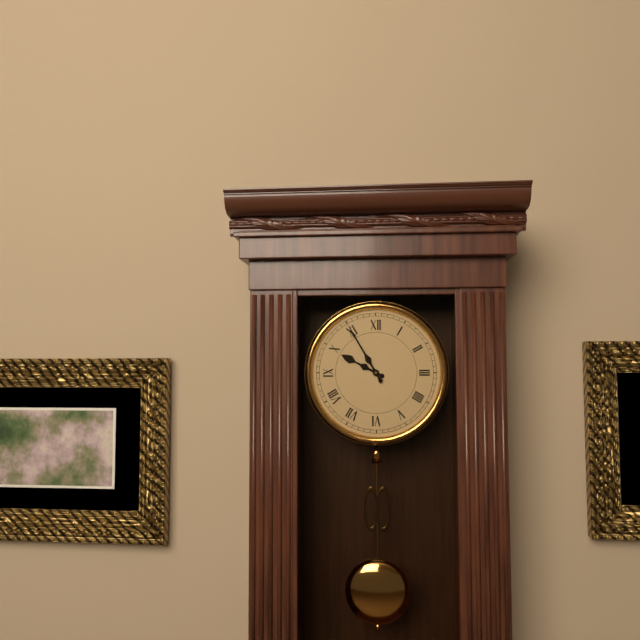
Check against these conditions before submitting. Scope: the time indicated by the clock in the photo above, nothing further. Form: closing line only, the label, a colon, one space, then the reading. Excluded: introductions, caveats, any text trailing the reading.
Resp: 9:55
